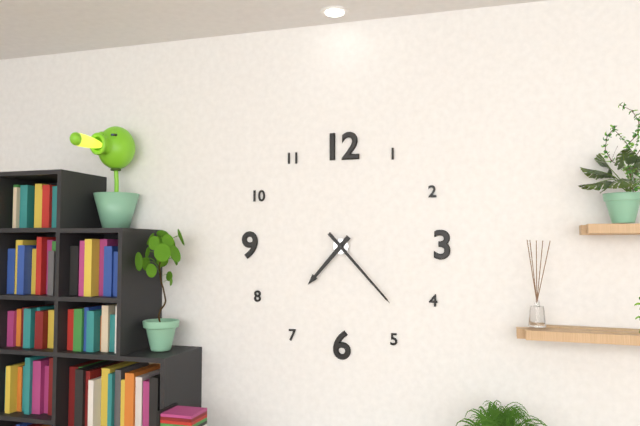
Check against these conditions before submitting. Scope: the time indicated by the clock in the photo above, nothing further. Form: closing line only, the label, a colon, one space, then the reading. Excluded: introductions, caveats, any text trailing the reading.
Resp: 7:23
